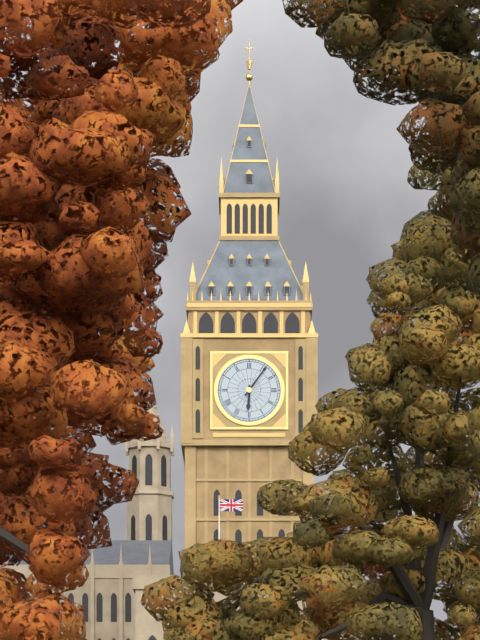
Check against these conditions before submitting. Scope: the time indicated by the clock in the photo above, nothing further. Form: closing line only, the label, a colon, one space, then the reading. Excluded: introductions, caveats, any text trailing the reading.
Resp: 6:06
